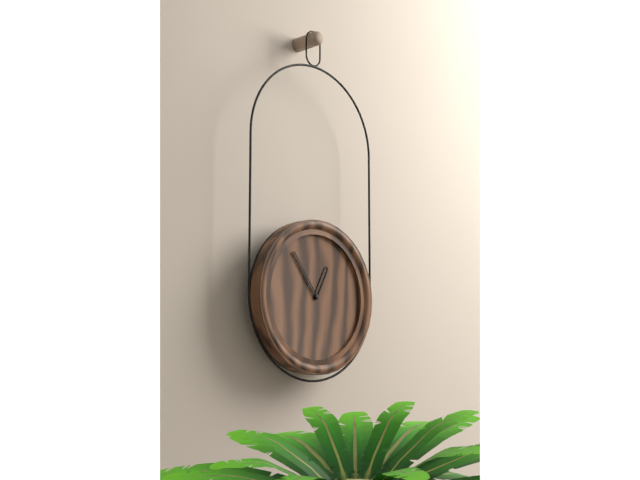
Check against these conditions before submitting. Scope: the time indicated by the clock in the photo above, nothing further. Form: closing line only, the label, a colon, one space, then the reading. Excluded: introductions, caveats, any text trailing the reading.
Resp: 12:54
